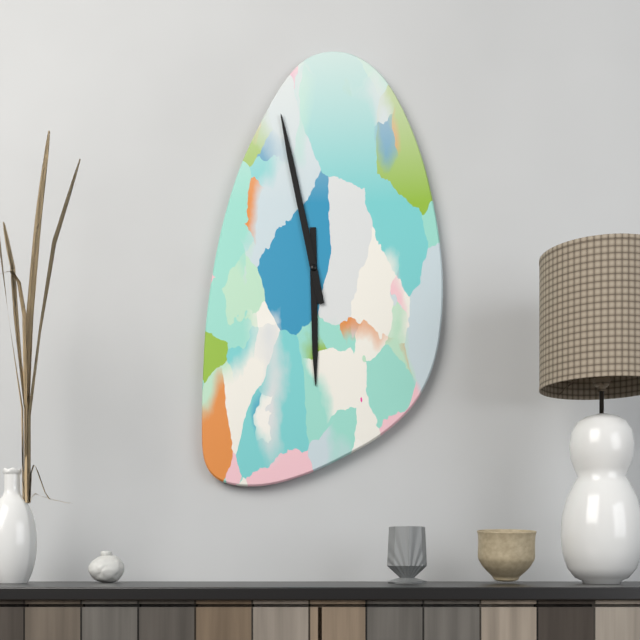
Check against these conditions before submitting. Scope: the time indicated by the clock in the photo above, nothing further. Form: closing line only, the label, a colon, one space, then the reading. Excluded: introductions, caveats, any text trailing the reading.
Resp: 5:58
